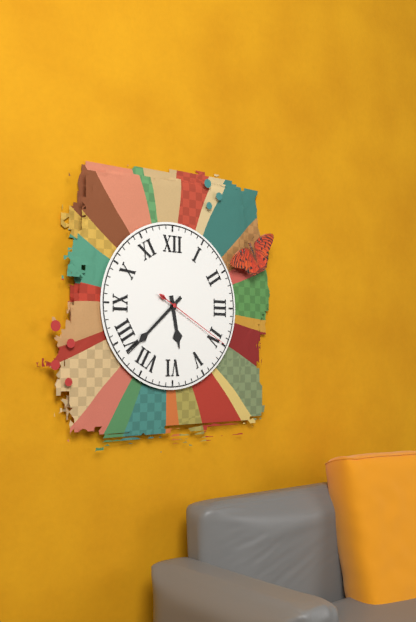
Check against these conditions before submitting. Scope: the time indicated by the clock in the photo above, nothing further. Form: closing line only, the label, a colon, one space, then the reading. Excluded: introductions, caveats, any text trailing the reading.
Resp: 5:38:20
